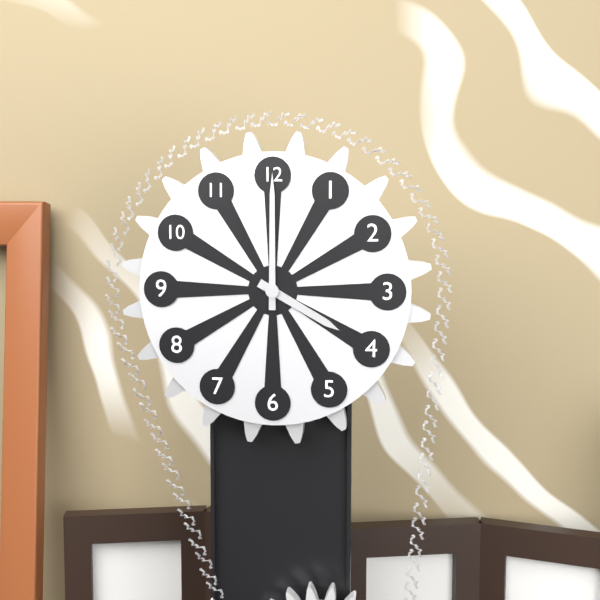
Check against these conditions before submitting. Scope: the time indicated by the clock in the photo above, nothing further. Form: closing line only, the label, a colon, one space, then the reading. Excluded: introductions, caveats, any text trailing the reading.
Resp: 4:00
